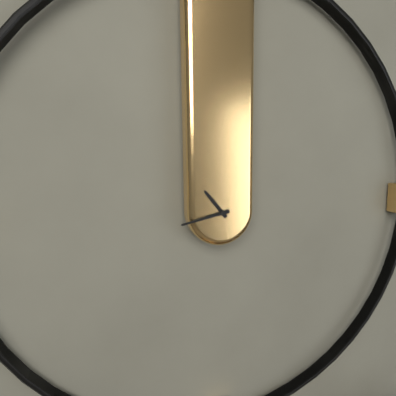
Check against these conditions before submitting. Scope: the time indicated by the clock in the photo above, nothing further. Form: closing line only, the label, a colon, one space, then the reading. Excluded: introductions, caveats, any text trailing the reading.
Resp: 10:43
